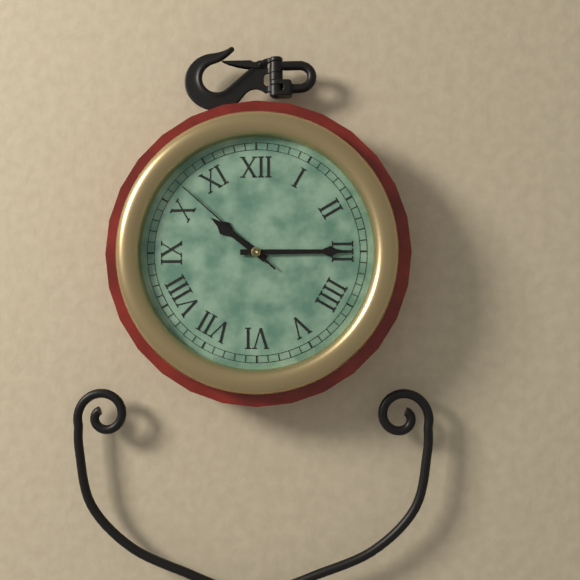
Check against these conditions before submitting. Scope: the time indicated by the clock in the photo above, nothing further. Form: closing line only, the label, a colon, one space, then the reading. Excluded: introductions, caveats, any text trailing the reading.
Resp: 10:15:52
